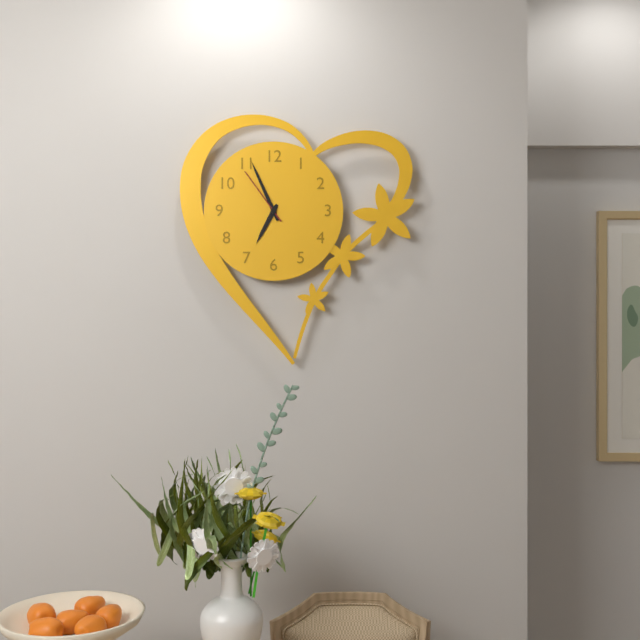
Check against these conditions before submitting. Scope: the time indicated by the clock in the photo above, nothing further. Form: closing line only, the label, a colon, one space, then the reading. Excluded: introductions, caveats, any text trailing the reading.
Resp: 6:56:54
